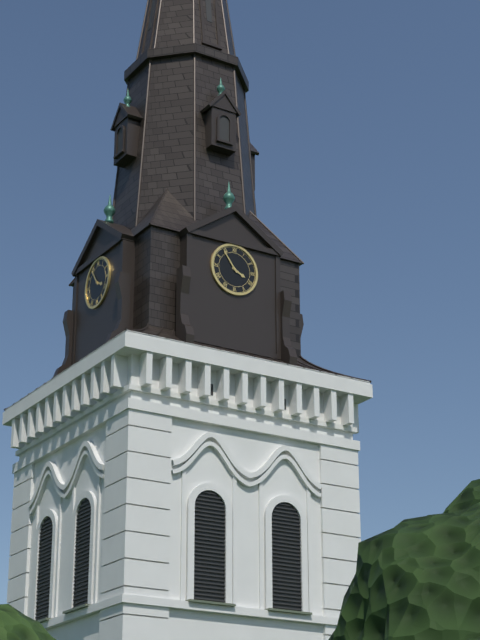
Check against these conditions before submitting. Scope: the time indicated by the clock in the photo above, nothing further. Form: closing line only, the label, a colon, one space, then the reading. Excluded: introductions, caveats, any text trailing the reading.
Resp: 3:54
